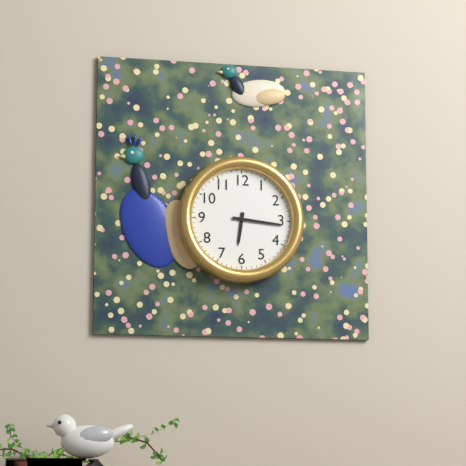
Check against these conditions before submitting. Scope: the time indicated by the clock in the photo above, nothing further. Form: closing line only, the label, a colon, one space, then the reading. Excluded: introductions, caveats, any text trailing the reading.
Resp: 6:16
